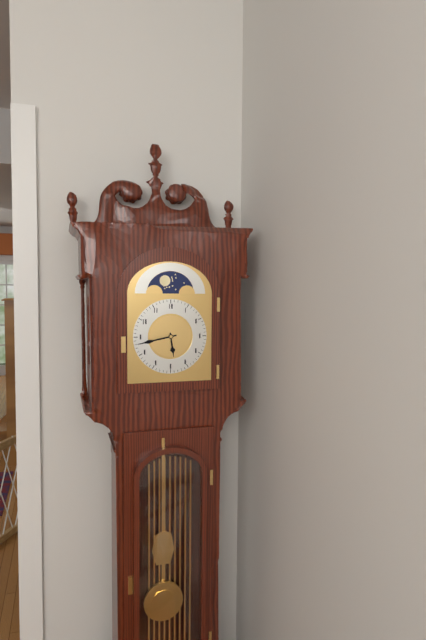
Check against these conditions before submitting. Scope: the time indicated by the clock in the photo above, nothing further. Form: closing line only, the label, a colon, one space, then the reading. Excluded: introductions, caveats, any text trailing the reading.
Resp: 5:43
